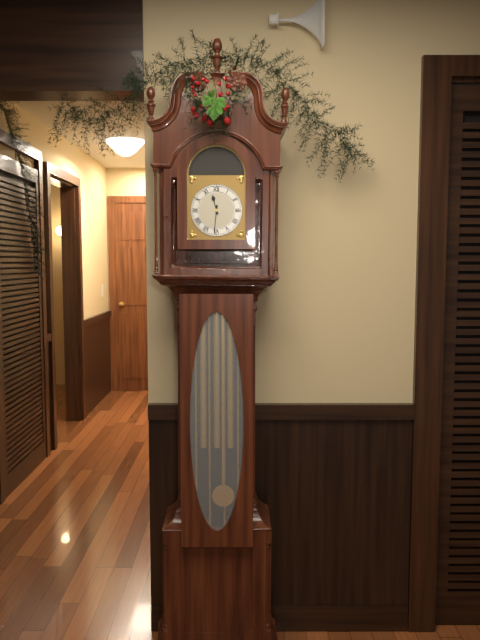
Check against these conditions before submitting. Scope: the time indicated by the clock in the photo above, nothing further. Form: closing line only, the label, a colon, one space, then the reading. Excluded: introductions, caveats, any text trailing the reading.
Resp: 11:31
